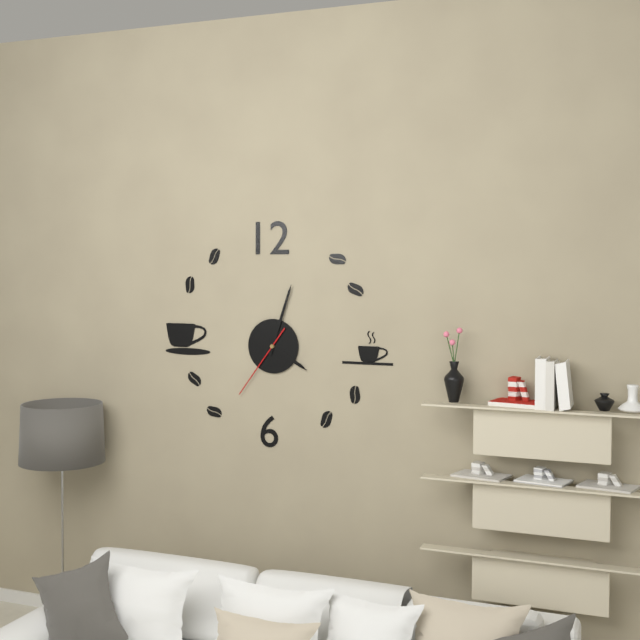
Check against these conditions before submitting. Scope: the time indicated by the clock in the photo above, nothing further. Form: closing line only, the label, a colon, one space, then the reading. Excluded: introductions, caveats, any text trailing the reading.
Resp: 4:03:36
